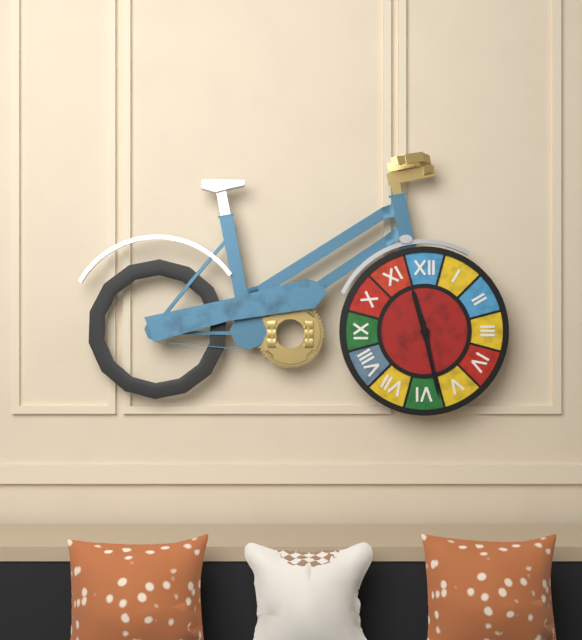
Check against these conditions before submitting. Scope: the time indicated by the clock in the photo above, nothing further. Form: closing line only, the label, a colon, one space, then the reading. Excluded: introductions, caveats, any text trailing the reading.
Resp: 11:28
